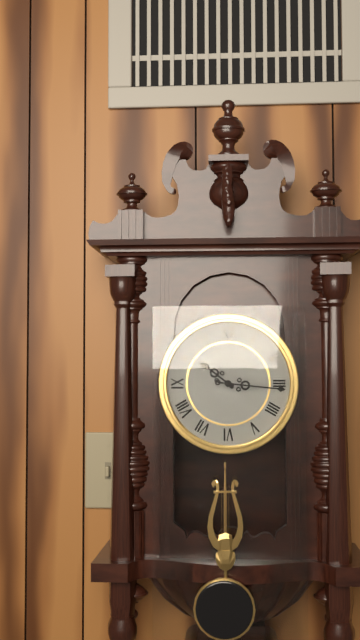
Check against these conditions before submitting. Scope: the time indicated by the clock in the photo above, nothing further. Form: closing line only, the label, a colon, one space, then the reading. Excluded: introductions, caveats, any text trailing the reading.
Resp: 10:16
